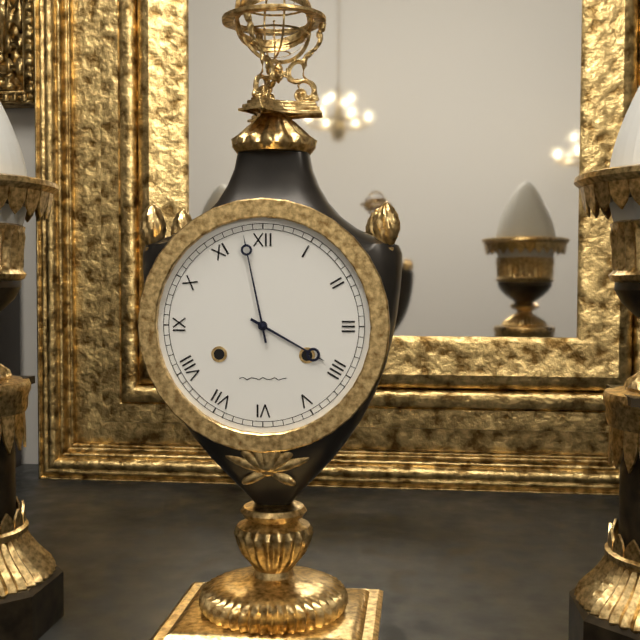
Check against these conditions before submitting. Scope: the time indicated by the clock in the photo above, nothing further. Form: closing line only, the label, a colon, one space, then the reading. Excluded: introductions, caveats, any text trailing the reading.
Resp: 3:58
